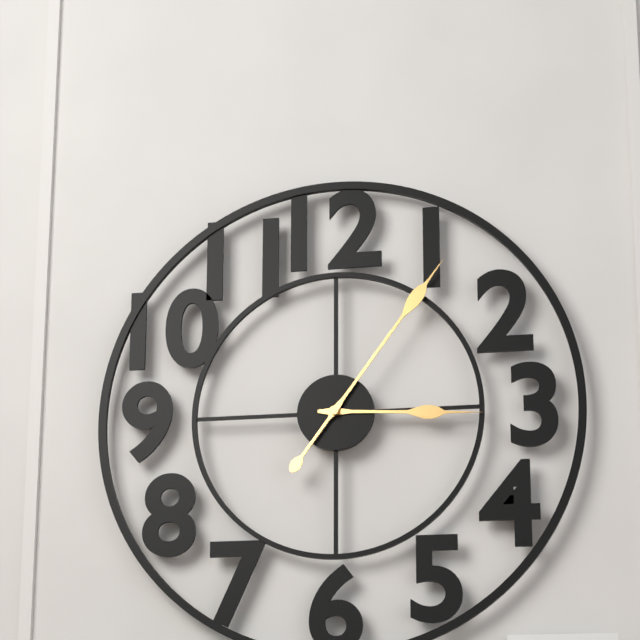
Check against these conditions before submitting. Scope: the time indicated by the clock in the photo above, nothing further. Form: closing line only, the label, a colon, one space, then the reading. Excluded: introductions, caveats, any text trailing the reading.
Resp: 3:06
